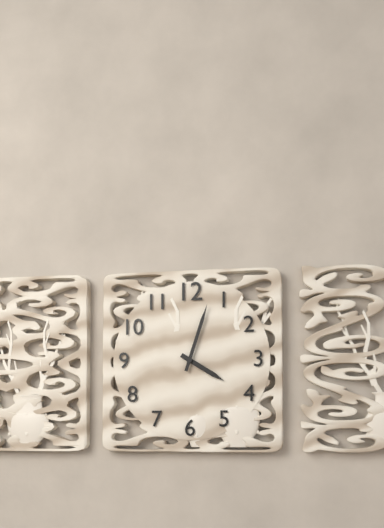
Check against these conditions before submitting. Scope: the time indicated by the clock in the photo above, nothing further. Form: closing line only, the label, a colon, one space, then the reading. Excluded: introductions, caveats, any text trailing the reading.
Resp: 4:03
